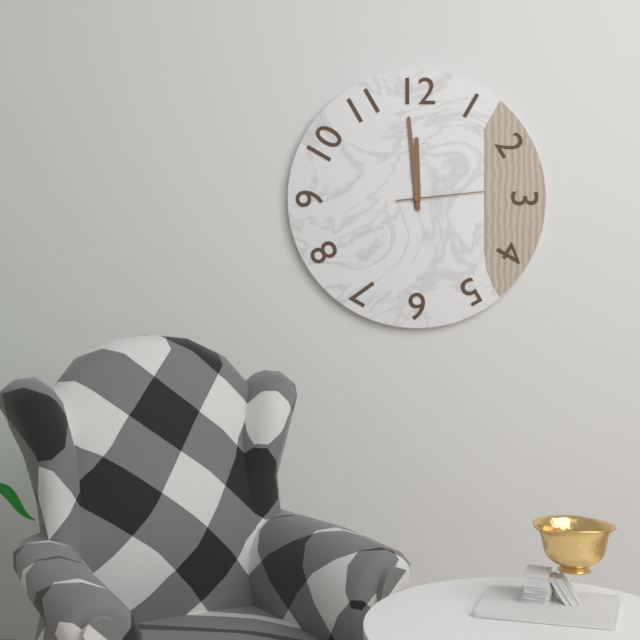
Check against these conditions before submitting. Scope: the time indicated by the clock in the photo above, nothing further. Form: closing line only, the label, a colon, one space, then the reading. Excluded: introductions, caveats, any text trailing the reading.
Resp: 11:59:14
